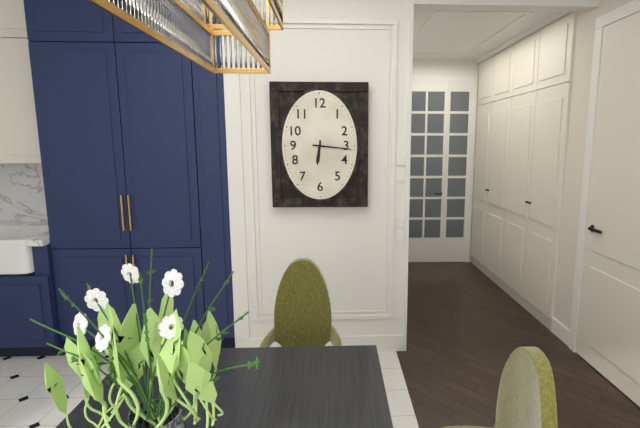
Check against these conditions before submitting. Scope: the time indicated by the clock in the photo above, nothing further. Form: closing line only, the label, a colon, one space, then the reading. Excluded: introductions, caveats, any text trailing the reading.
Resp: 6:16
